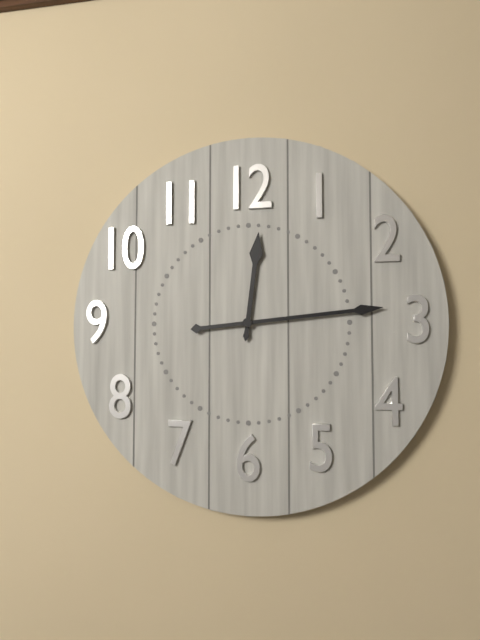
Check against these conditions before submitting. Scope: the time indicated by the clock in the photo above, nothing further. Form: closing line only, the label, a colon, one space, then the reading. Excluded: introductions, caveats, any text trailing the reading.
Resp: 12:14
